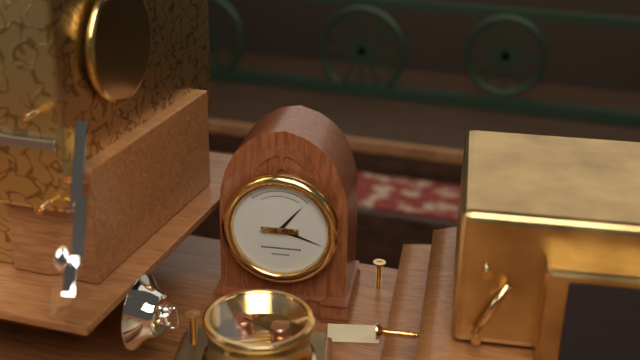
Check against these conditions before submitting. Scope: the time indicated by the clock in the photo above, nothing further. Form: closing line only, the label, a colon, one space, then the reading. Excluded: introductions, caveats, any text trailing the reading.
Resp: 1:18
